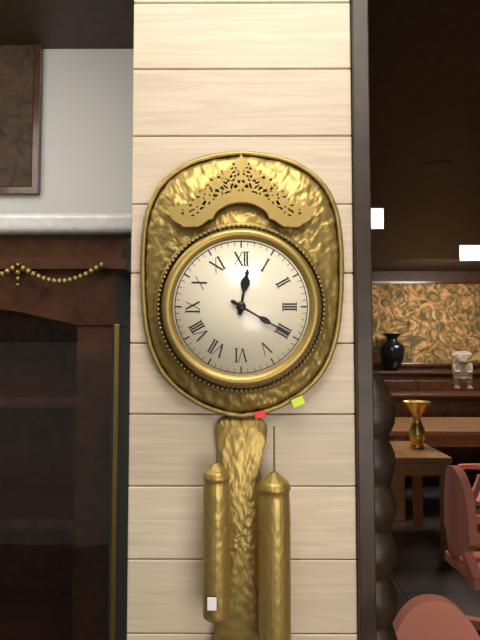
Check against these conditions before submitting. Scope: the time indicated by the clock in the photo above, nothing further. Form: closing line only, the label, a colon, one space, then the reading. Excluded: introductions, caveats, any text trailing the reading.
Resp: 12:20
